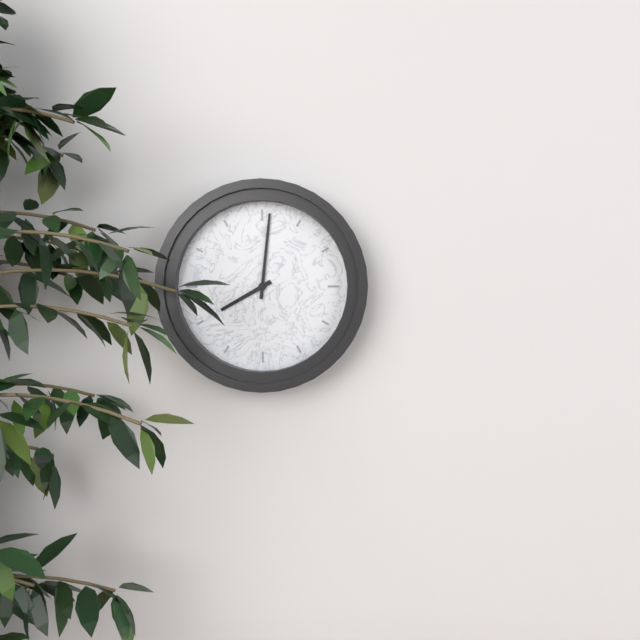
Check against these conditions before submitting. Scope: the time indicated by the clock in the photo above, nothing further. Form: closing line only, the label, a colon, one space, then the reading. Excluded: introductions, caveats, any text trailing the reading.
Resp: 8:01
